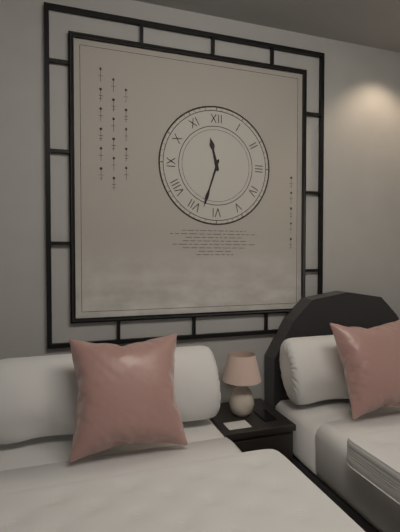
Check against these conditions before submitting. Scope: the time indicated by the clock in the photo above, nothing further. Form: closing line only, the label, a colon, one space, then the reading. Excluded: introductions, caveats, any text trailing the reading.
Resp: 11:33
